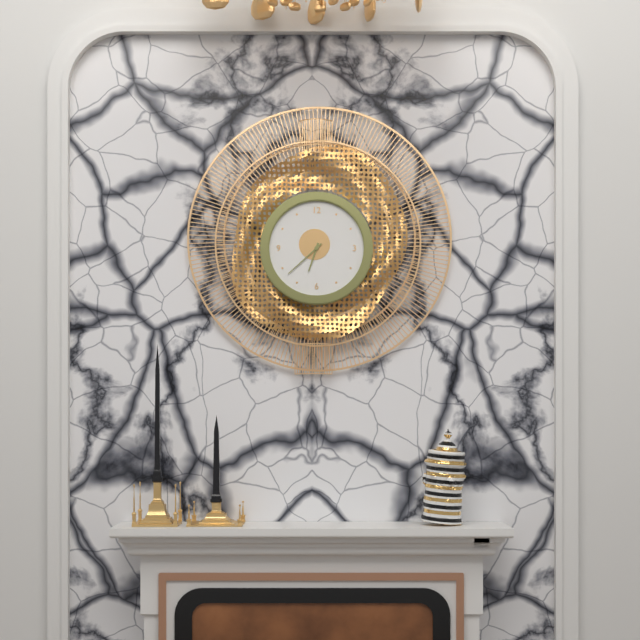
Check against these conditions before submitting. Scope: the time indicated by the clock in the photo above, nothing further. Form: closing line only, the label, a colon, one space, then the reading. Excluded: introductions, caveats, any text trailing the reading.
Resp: 6:38
